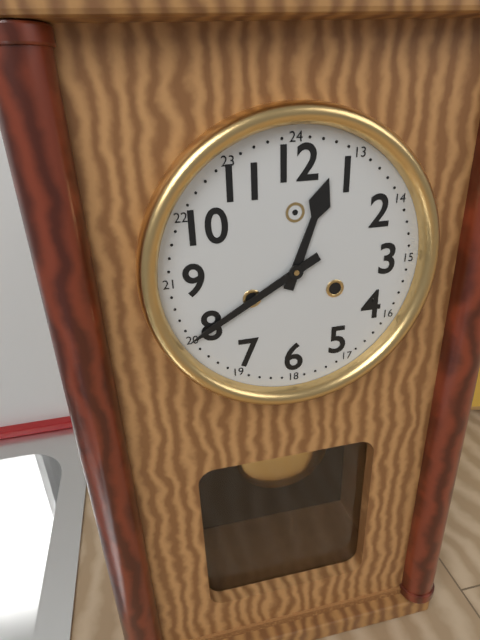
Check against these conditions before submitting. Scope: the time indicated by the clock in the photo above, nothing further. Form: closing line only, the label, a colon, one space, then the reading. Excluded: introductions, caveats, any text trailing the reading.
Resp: 12:40
